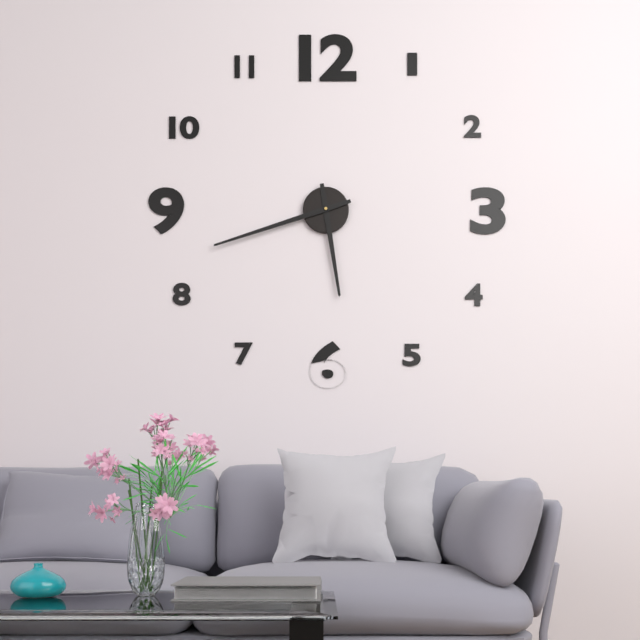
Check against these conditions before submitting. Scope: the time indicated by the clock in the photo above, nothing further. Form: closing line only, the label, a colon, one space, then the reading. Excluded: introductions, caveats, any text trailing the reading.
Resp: 5:42
